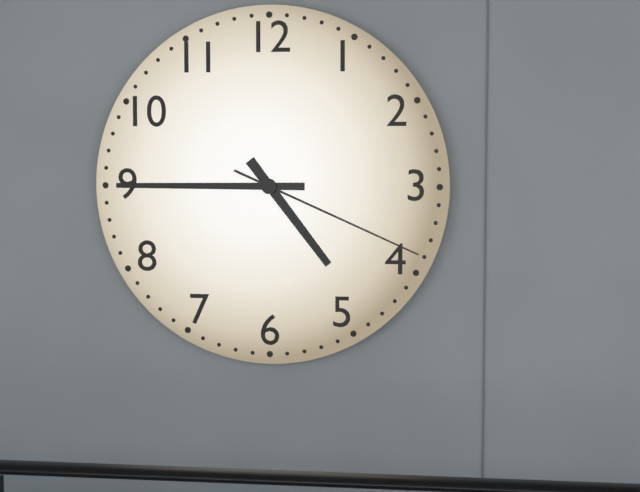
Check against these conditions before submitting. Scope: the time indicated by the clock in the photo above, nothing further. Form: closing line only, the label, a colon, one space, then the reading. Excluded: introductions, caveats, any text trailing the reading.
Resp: 4:45:19
